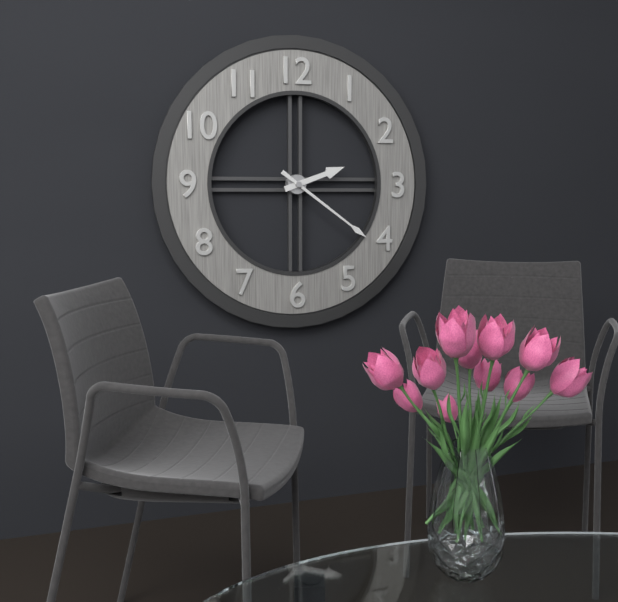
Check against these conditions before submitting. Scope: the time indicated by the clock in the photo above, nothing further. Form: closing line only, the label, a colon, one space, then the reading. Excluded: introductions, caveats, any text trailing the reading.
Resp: 2:21
